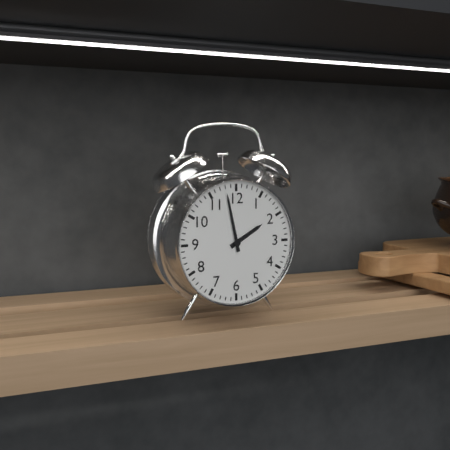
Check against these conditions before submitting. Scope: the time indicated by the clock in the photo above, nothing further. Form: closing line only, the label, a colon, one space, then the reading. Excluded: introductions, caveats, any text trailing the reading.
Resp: 1:58
